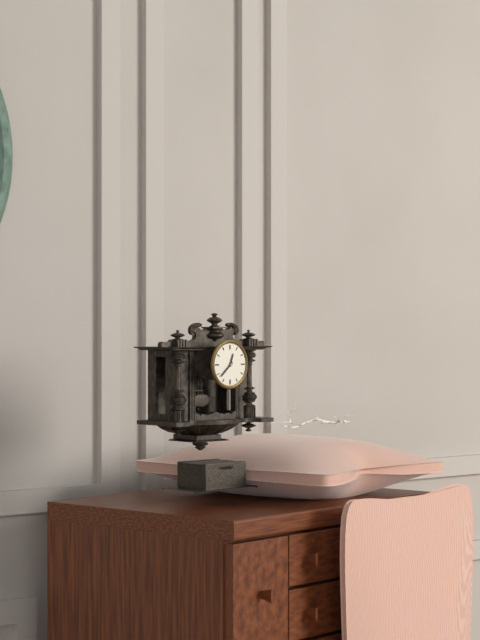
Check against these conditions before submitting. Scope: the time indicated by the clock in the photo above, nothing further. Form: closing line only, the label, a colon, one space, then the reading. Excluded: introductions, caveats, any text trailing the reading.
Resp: 12:38
